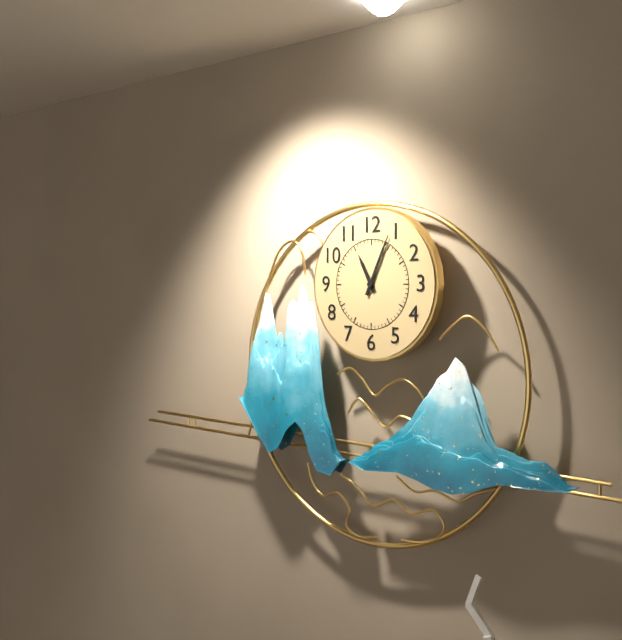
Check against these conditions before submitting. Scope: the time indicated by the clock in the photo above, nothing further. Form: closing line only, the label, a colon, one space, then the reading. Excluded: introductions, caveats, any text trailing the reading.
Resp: 11:04
